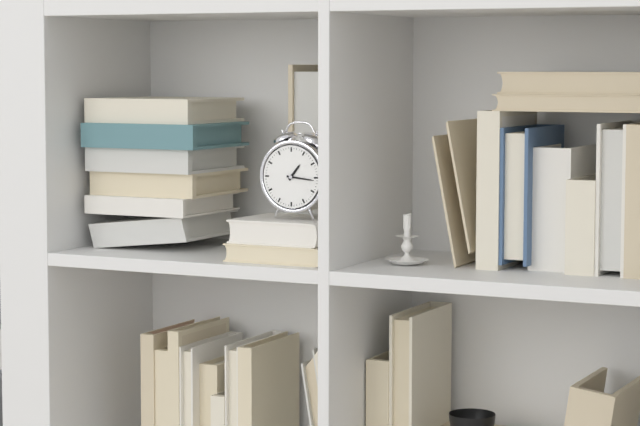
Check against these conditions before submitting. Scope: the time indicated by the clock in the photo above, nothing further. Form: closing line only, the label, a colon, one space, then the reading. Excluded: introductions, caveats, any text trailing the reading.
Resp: 1:16
